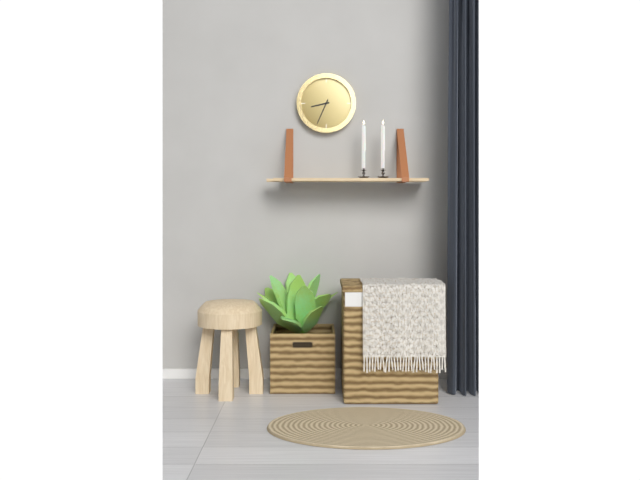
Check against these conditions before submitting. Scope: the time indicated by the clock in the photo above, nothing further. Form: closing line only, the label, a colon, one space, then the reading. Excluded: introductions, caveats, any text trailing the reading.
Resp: 8:34
